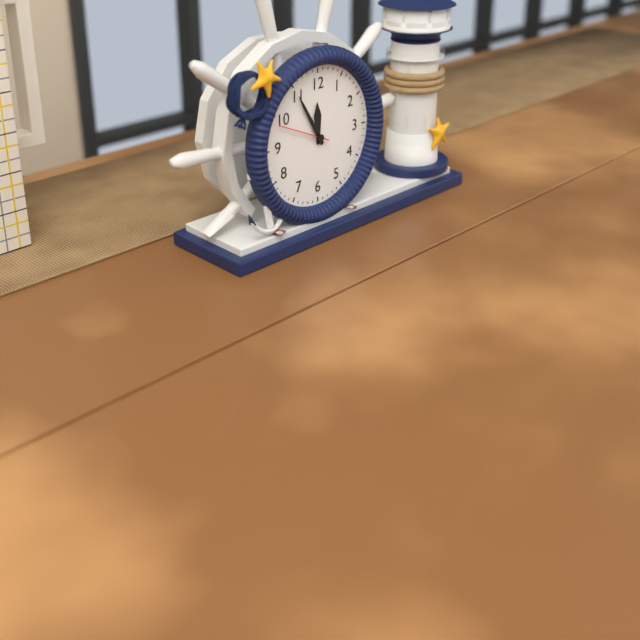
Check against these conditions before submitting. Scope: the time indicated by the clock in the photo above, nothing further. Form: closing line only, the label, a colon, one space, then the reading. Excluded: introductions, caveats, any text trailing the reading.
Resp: 11:55:49
